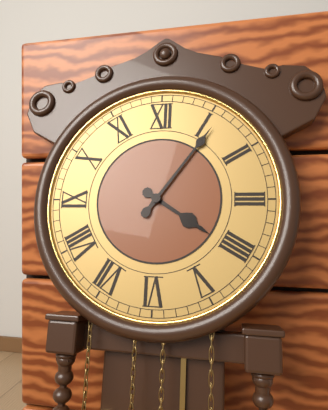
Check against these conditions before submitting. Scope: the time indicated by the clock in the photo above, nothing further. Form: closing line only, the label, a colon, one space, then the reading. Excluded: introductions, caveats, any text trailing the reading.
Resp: 4:06
